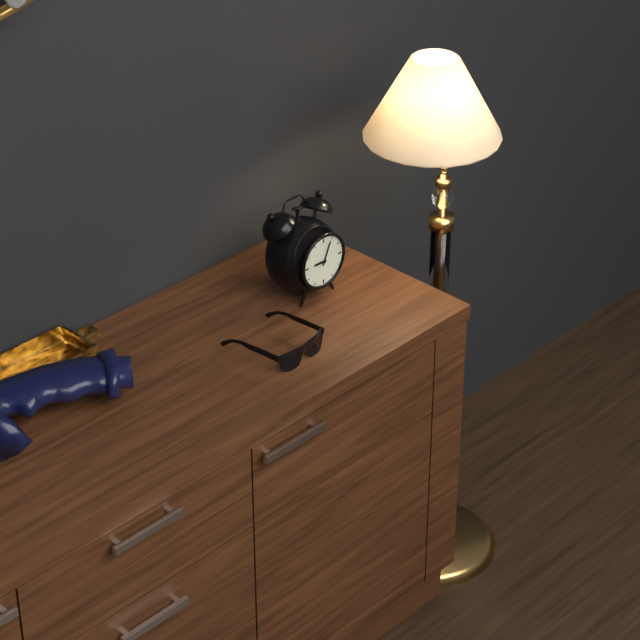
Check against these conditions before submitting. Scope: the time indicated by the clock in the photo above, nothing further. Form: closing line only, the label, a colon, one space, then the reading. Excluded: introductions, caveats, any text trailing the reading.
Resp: 9:04
